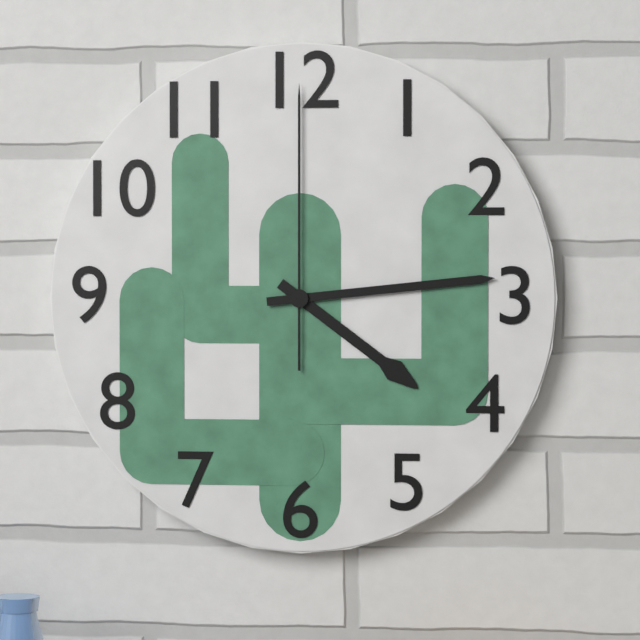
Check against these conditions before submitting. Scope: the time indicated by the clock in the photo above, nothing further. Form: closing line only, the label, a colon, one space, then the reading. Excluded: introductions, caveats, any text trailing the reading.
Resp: 4:14:00
